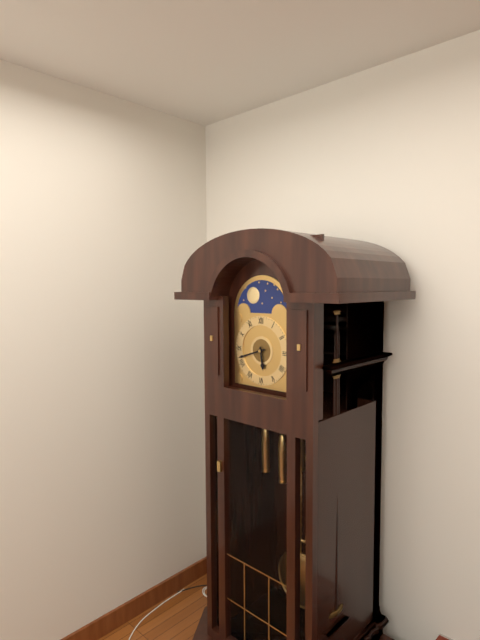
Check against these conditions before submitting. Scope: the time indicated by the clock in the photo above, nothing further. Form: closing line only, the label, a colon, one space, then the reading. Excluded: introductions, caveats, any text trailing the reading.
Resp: 5:42
